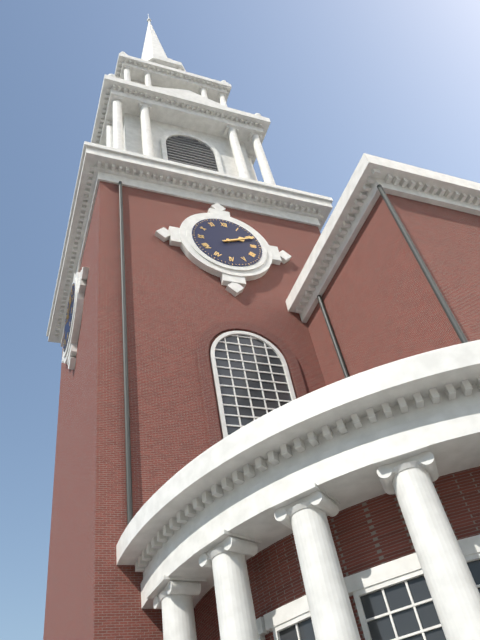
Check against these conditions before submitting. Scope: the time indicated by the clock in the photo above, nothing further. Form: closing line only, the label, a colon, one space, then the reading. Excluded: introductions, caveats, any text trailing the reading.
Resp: 2:11
